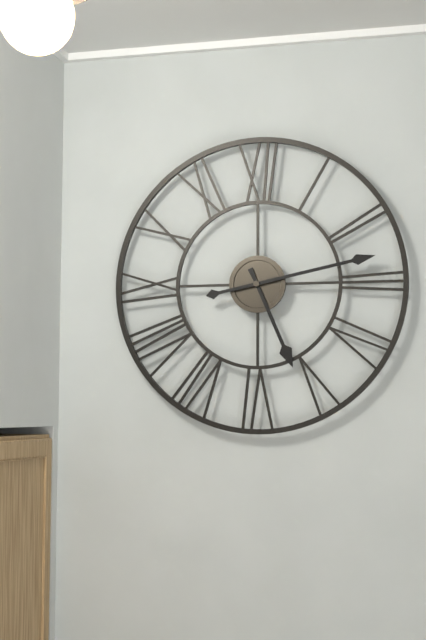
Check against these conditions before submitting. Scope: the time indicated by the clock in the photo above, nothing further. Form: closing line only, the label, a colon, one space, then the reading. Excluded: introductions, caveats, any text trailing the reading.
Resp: 5:13
